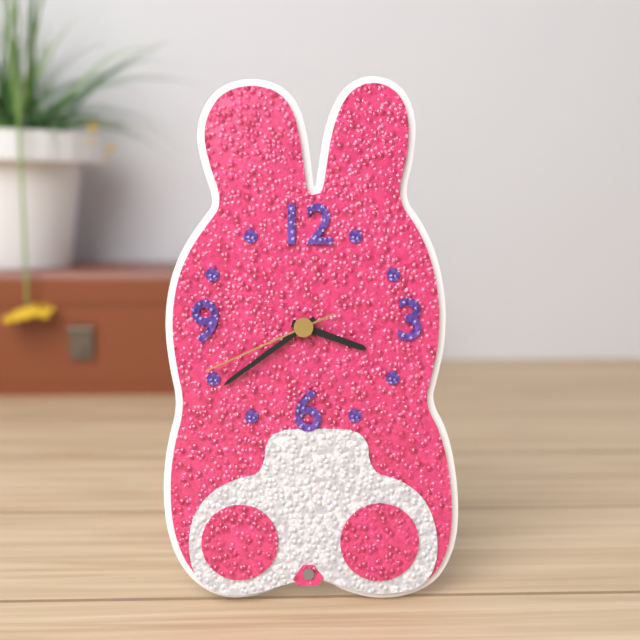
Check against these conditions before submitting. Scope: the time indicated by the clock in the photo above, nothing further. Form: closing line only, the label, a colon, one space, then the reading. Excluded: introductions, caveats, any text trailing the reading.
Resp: 3:39:41
